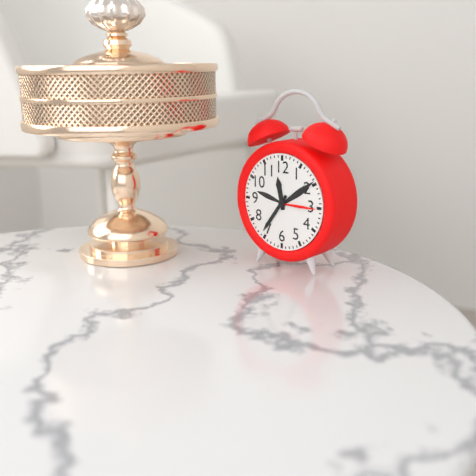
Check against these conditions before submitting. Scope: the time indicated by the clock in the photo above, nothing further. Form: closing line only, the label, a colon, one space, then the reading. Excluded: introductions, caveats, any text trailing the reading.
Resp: 11:36
